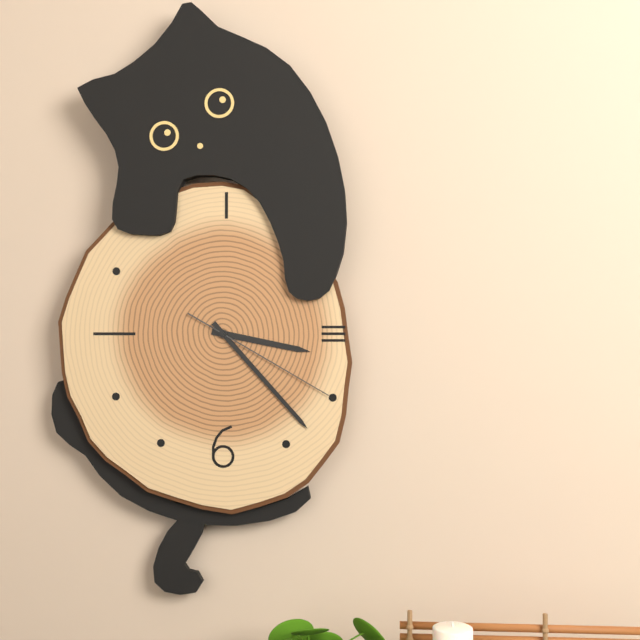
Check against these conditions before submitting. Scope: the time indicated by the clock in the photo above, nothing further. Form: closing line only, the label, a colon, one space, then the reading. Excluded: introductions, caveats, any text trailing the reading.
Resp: 3:23:20
